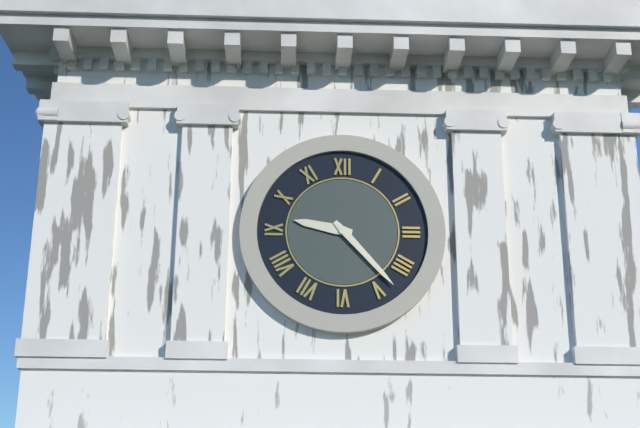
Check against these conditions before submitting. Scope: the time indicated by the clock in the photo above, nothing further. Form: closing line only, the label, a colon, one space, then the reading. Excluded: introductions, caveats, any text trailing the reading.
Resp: 9:23
